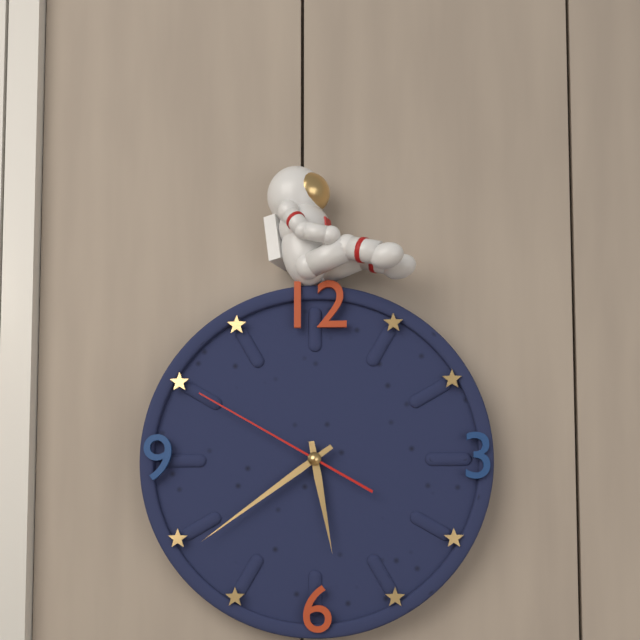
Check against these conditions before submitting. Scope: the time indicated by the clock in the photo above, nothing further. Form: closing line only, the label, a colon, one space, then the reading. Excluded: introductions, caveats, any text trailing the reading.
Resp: 5:39:50
